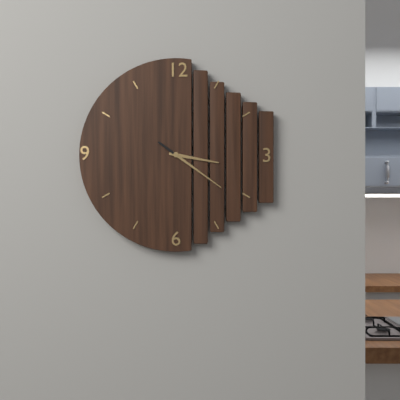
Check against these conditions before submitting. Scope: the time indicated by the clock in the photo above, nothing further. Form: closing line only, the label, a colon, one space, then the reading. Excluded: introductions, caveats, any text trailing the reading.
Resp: 3:21
